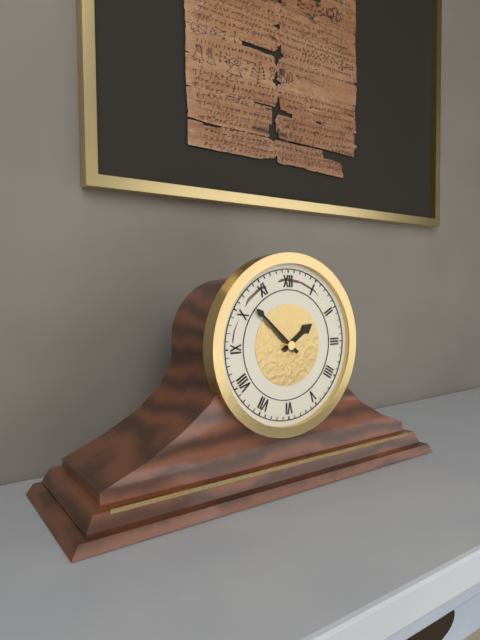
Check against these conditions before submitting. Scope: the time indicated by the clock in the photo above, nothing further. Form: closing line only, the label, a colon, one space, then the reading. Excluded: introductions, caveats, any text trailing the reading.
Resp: 1:52
